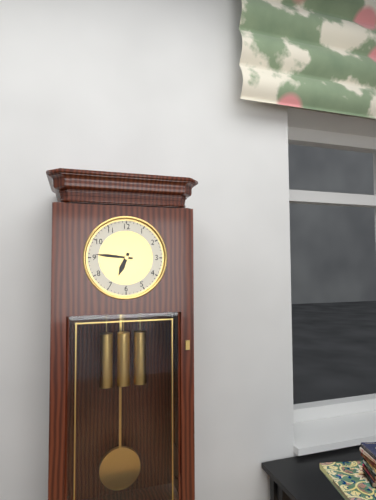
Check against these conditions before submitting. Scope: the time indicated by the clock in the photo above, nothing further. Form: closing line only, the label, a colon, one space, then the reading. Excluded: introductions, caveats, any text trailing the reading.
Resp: 6:46
